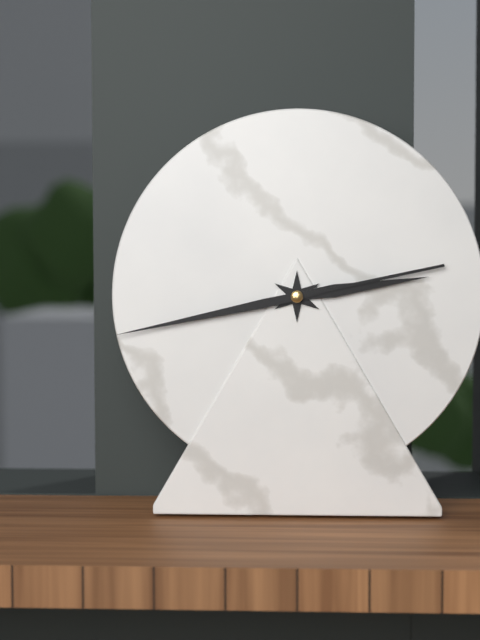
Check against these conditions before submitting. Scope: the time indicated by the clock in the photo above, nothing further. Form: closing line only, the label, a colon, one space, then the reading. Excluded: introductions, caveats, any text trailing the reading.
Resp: 2:43
